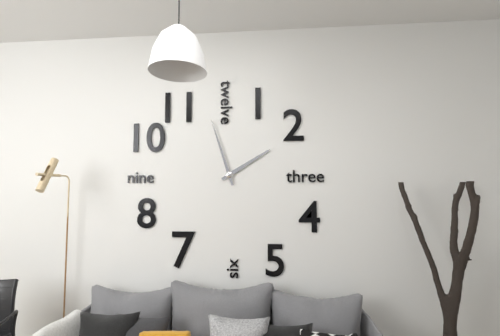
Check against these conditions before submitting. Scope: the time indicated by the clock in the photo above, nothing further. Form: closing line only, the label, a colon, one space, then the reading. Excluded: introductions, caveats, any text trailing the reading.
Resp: 1:57
